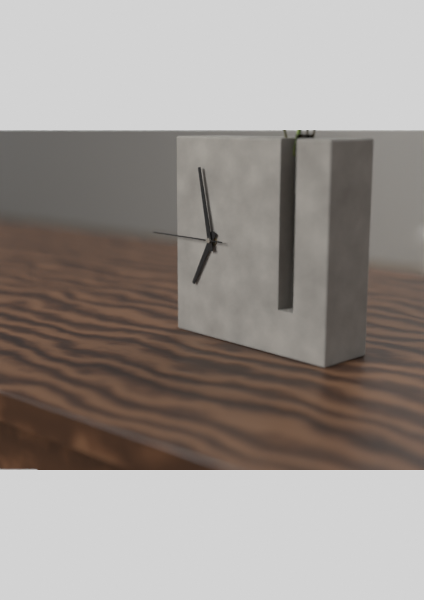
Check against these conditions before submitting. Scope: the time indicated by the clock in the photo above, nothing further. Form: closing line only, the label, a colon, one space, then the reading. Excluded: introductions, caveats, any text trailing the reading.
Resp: 6:58:45
